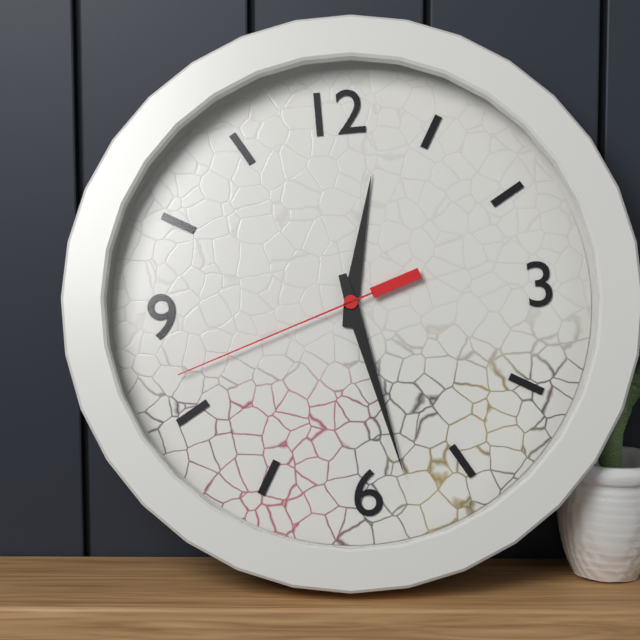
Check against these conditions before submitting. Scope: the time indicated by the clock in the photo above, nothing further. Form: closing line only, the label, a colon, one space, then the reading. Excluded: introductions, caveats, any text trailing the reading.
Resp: 12:28:42
